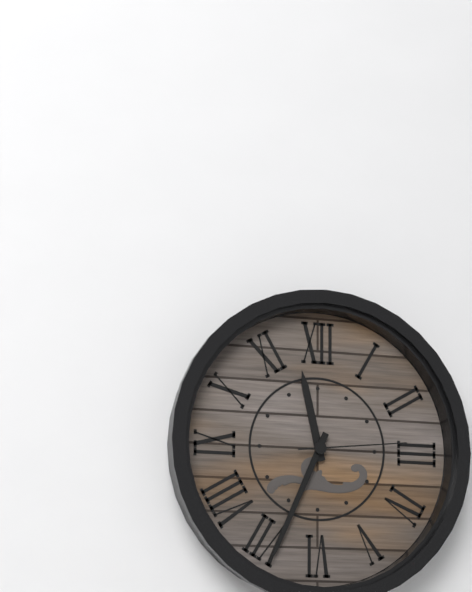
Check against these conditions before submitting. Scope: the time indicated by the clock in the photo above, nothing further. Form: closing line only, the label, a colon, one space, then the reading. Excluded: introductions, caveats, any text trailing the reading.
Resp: 11:34:14
